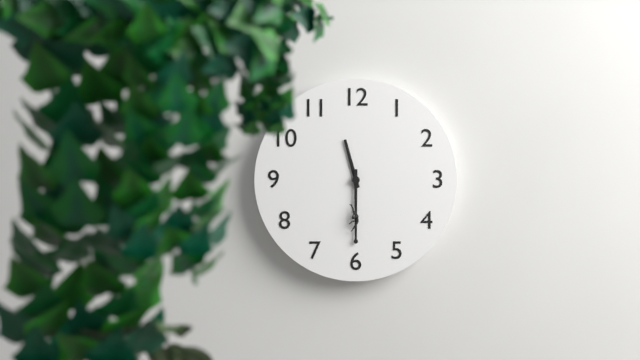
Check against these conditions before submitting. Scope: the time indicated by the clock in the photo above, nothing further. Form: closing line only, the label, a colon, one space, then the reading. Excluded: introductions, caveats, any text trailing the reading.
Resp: 11:30
